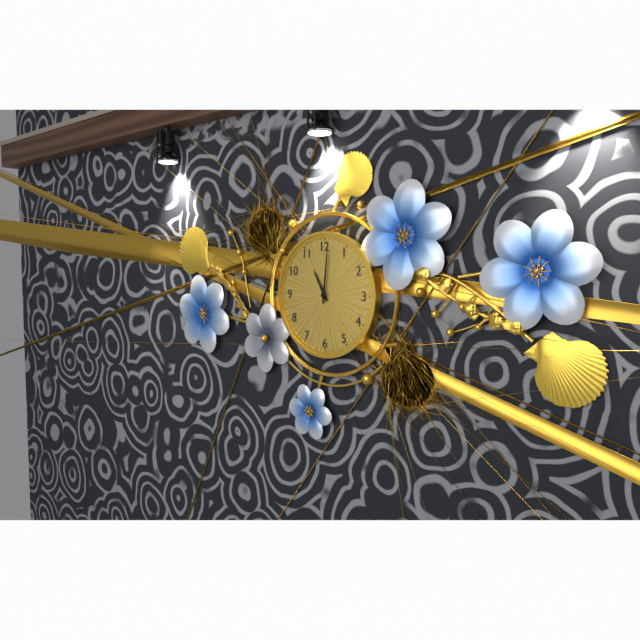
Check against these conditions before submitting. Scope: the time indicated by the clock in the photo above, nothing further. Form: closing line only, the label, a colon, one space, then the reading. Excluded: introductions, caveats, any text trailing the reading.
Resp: 11:01
